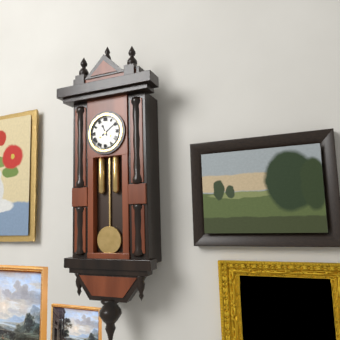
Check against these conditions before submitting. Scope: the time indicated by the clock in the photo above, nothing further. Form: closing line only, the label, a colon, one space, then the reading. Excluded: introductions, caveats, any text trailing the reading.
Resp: 11:09
